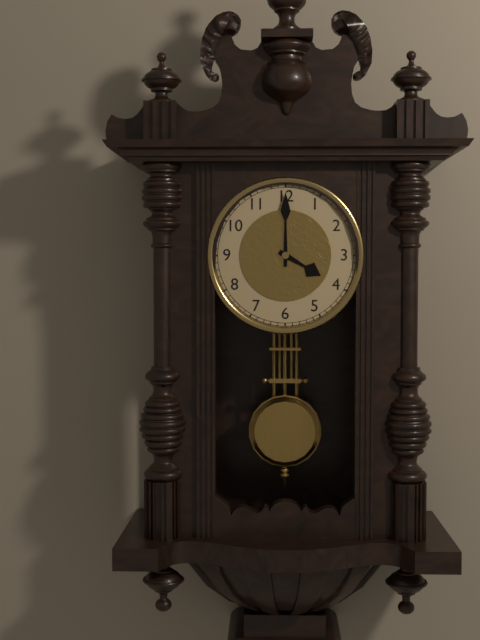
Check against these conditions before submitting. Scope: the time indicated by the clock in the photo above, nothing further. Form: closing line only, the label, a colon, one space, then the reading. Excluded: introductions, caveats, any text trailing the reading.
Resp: 4:00
